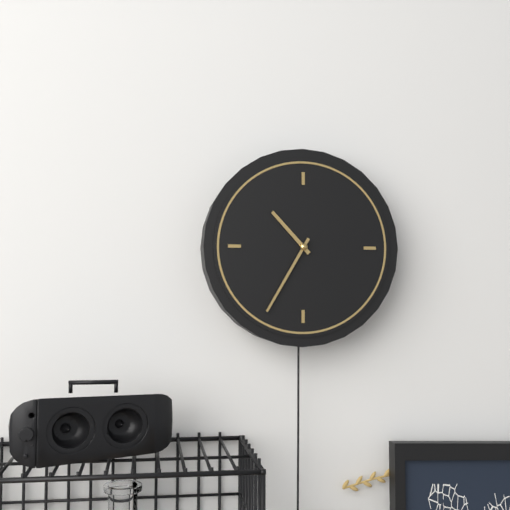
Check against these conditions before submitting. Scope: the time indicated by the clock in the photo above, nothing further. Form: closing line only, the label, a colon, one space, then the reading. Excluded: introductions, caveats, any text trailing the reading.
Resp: 10:35
